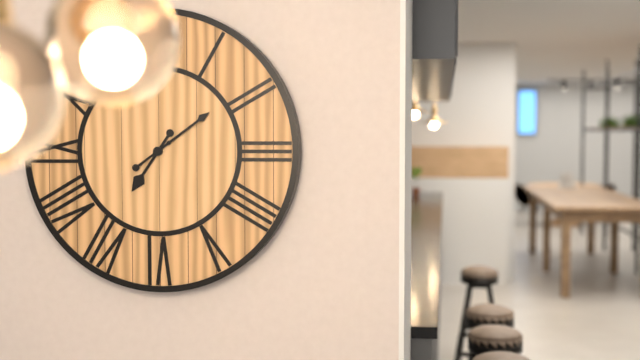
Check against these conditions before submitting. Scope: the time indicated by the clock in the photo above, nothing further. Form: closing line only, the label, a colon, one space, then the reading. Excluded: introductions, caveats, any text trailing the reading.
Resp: 7:09
